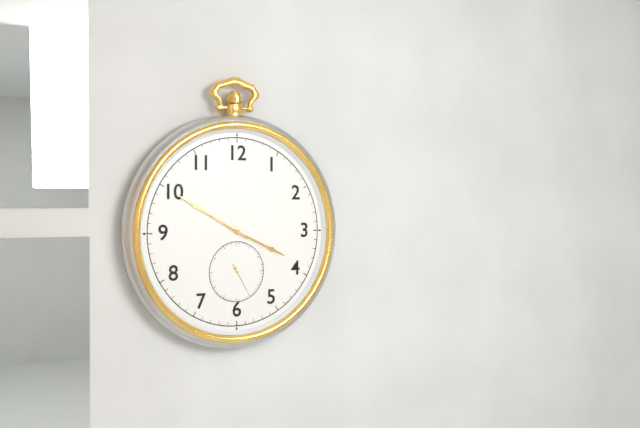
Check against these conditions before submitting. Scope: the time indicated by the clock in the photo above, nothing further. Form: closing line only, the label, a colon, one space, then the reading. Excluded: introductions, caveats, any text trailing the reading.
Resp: 3:50
